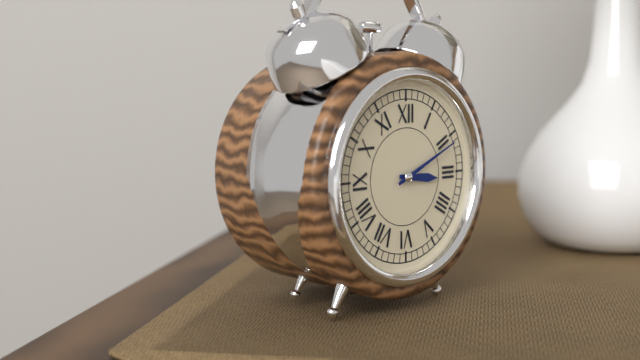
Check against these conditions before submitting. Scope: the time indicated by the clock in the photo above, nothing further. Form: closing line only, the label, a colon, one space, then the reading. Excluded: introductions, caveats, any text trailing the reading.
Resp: 3:11
